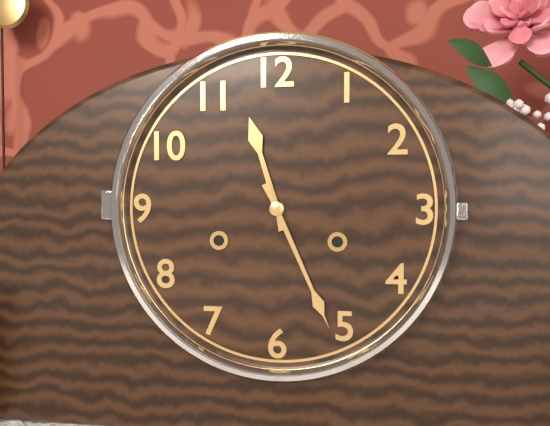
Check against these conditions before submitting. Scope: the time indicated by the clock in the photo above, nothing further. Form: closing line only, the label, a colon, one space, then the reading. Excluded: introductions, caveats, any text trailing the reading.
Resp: 11:26
